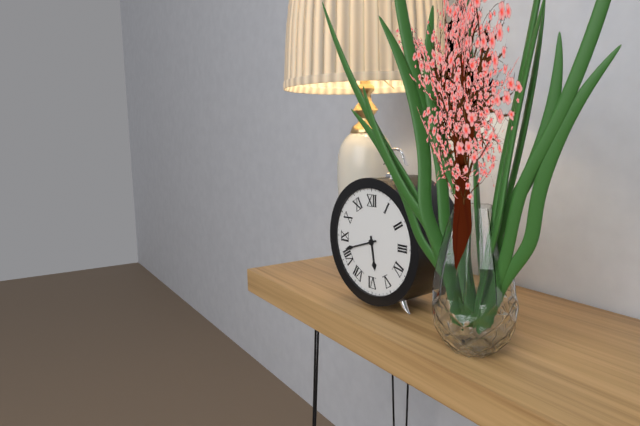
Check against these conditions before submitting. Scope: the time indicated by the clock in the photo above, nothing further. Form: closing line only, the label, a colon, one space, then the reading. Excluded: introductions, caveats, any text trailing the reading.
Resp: 5:42
